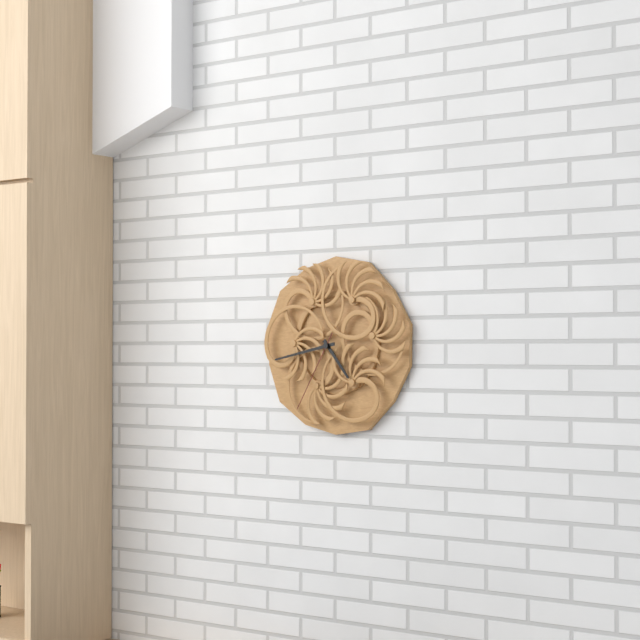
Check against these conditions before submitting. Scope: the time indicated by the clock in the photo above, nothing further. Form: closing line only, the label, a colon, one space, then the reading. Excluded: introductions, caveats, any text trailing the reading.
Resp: 4:43:35
